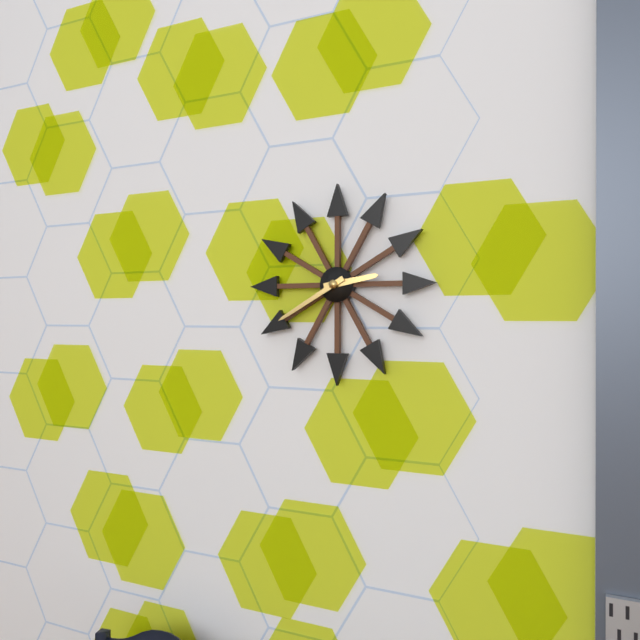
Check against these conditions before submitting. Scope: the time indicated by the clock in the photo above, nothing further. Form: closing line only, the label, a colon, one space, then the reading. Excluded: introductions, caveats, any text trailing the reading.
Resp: 2:40
